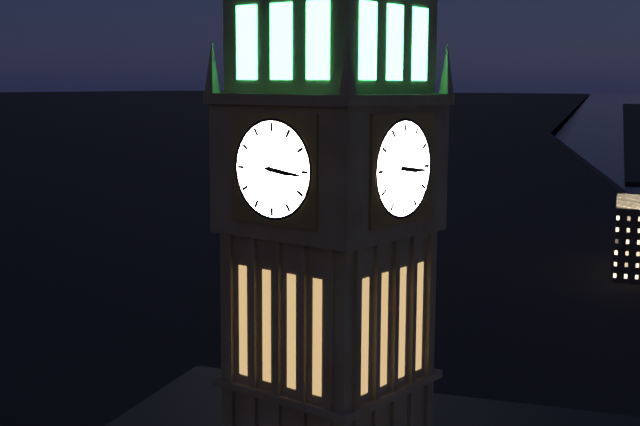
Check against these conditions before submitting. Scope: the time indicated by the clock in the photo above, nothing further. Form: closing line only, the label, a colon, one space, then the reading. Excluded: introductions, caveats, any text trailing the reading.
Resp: 3:16
